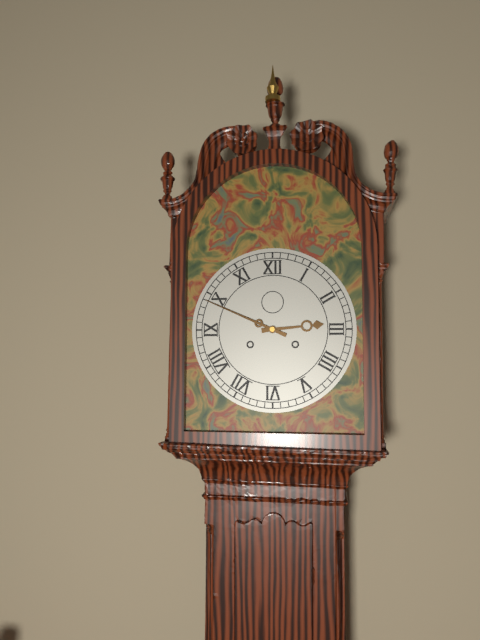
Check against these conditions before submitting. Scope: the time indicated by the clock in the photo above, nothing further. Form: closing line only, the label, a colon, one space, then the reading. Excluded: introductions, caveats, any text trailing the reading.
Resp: 2:49
